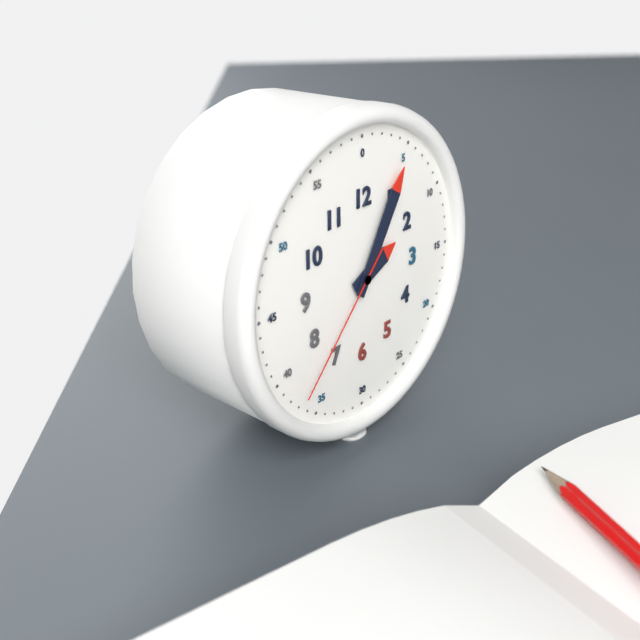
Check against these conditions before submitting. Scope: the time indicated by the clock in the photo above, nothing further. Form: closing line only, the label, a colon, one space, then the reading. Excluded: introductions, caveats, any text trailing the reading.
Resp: 2:05:37
